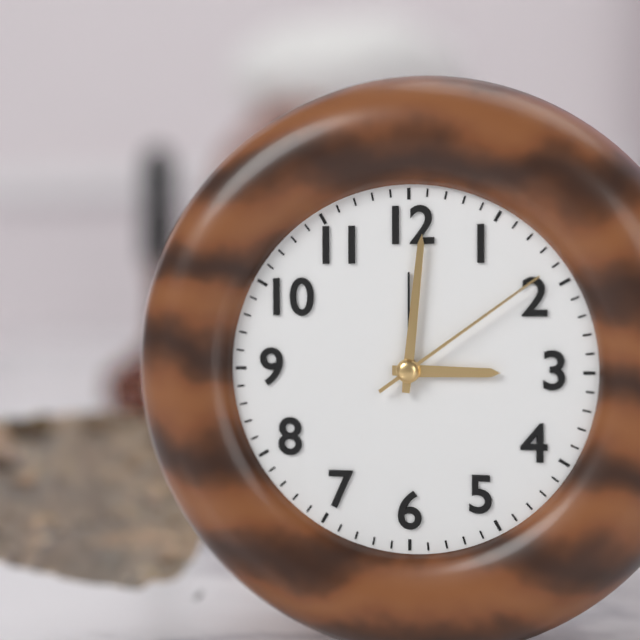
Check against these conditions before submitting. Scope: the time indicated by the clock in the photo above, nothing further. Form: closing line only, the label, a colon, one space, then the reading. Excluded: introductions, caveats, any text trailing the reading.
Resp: 3:01:09
